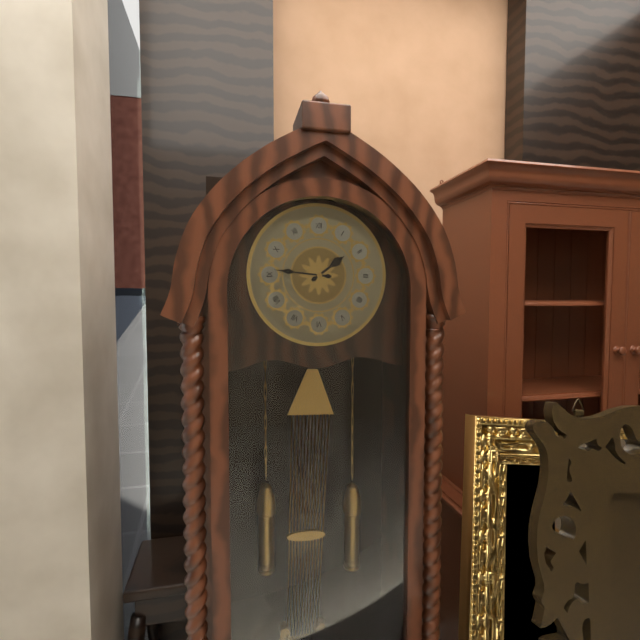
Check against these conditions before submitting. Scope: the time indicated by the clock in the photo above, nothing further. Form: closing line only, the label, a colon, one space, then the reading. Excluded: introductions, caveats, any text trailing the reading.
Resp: 1:46
